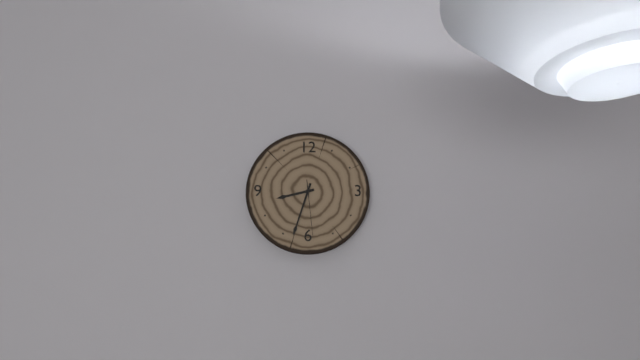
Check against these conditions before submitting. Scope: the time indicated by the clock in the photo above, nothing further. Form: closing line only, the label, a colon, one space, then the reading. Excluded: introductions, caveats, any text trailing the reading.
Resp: 8:33:29
